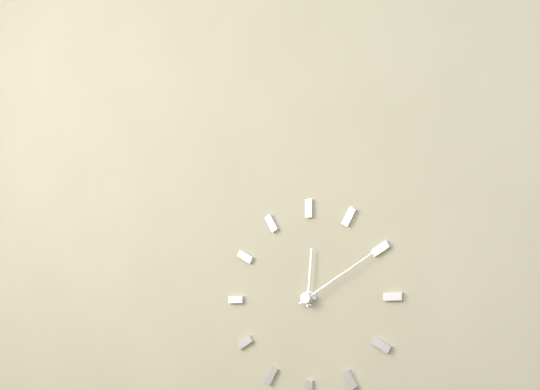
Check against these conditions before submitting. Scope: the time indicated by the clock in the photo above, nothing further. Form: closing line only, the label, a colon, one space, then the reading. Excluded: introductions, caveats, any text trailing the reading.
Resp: 12:10
